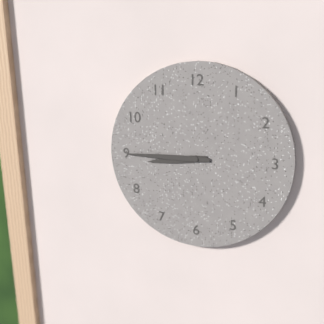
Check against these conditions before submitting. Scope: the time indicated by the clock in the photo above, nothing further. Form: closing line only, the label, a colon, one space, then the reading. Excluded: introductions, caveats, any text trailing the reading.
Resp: 8:45
